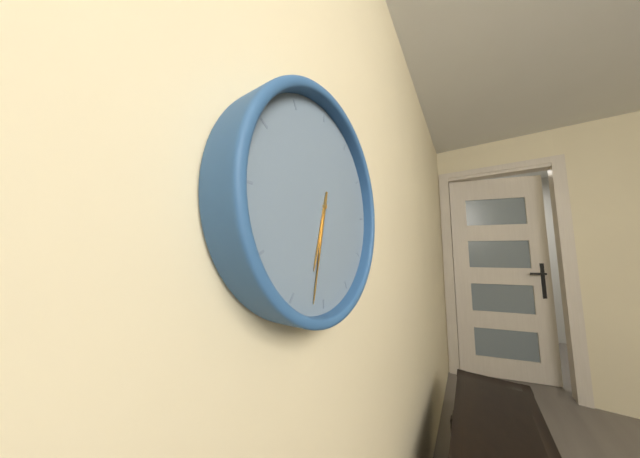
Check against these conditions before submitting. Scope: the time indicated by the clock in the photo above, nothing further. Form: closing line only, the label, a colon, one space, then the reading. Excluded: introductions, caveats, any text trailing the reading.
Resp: 6:32
